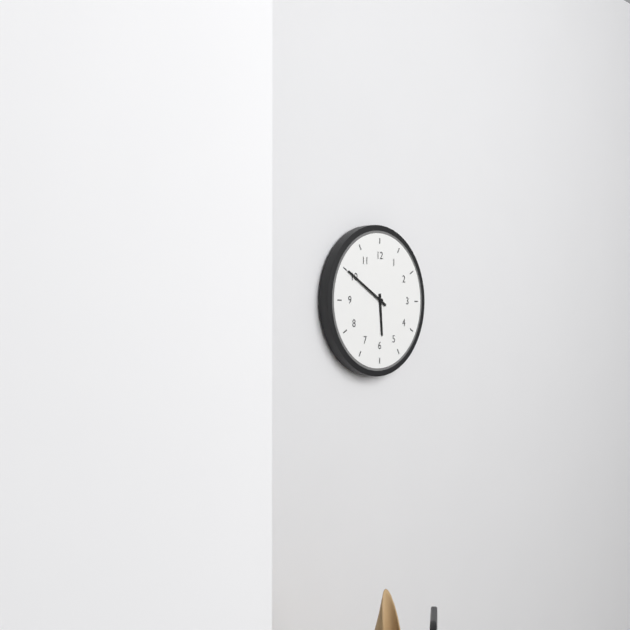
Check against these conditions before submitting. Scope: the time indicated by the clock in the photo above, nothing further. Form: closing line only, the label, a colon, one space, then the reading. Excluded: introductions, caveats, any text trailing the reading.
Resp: 5:50
